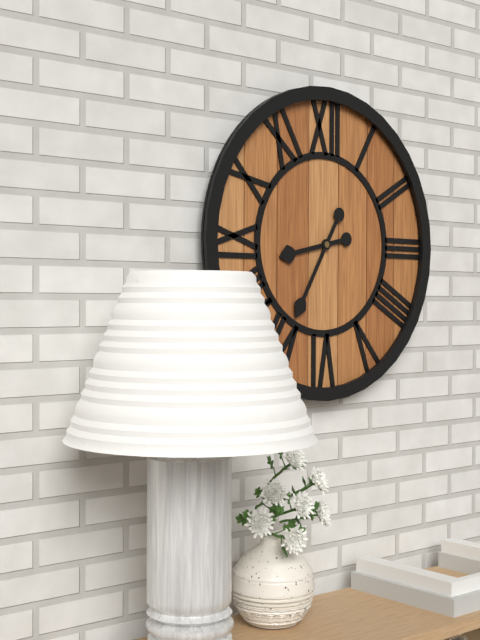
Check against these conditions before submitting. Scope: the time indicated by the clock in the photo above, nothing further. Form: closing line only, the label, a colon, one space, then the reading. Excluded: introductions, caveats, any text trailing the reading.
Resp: 8:35
